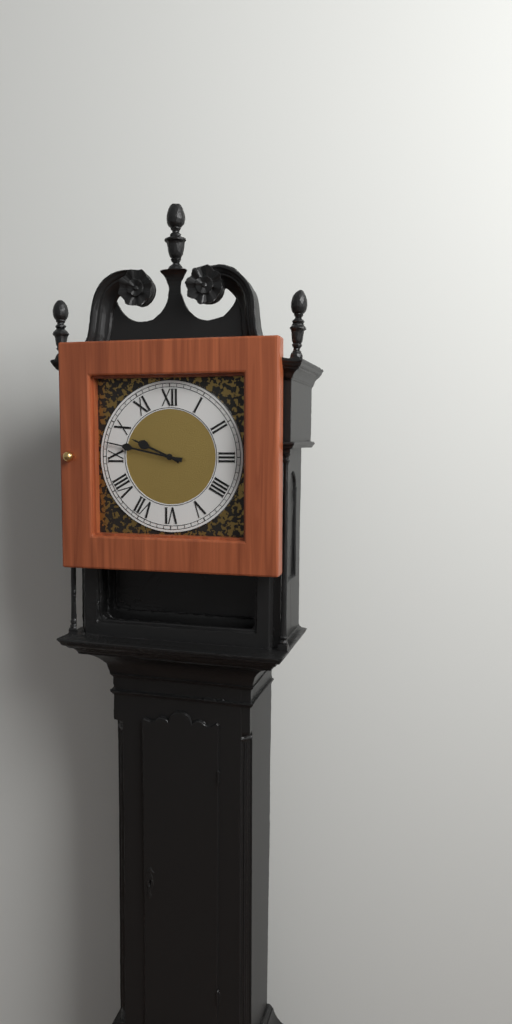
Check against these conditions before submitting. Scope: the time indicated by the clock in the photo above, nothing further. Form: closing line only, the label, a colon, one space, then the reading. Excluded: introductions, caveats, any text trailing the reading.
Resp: 9:47
